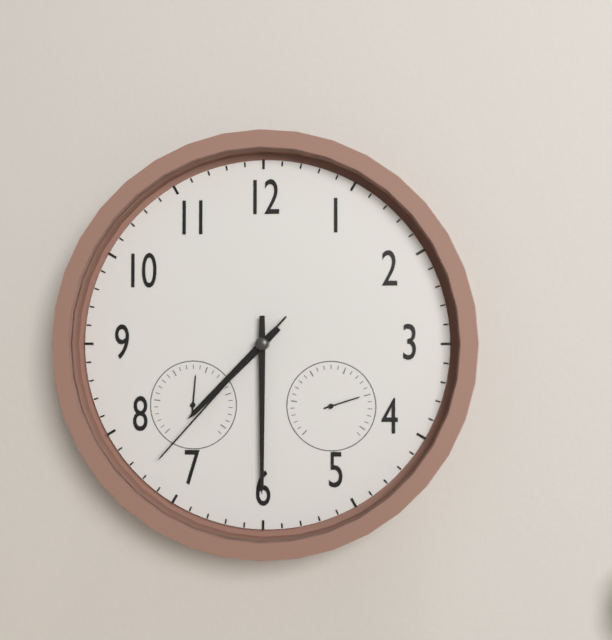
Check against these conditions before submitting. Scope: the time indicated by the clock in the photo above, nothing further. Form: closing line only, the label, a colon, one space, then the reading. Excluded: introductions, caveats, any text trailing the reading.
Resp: 7:30:37
